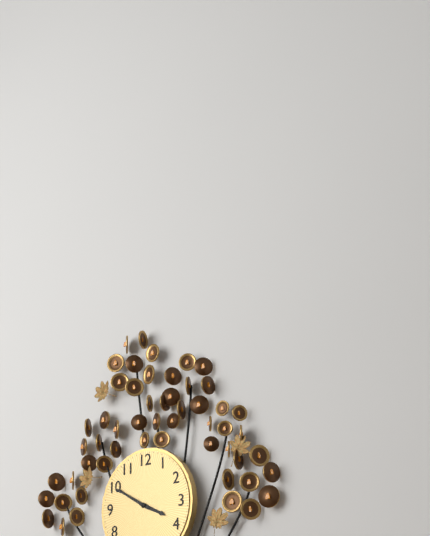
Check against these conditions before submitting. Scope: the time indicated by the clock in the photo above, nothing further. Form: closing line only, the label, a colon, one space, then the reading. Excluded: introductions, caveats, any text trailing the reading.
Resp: 3:50
